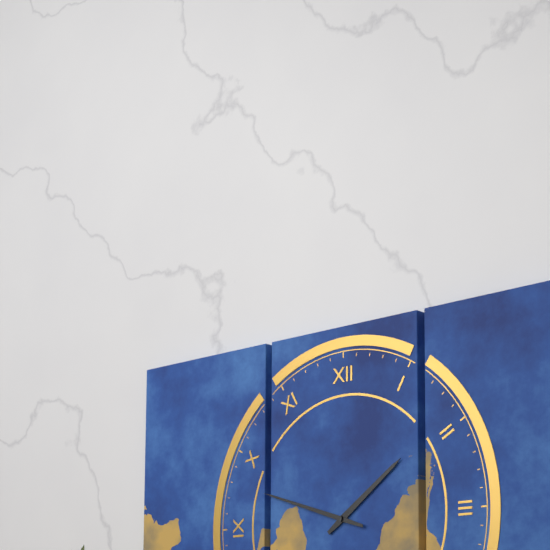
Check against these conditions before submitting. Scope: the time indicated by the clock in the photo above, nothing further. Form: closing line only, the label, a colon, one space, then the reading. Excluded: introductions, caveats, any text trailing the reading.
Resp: 1:48
